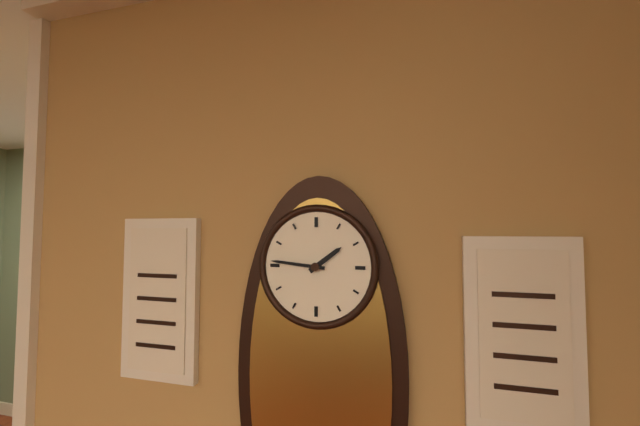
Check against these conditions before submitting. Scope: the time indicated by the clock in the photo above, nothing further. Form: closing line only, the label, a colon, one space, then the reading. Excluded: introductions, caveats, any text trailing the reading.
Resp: 1:46
